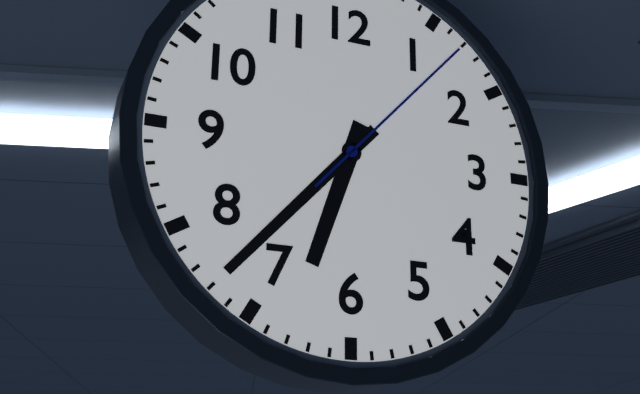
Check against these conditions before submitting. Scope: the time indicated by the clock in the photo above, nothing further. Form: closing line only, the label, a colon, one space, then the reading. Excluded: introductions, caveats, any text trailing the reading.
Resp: 6:37:07
